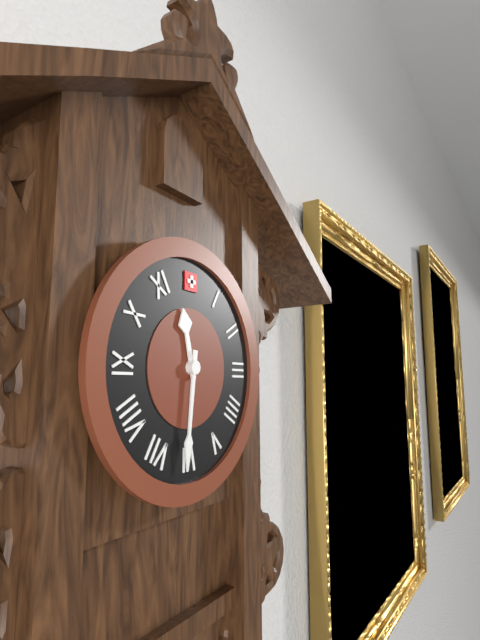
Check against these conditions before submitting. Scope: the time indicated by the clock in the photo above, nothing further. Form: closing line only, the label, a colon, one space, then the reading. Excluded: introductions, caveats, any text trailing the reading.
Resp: 11:31
